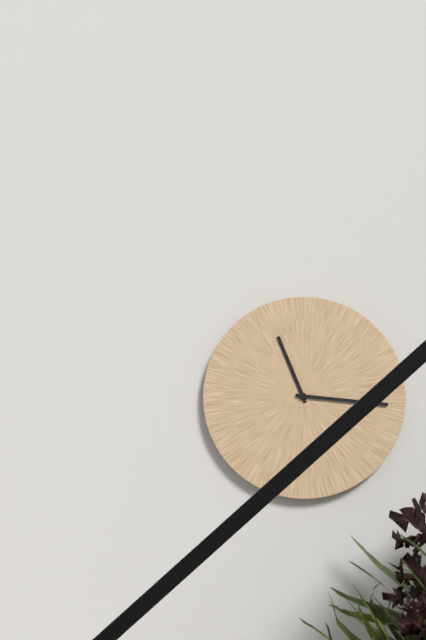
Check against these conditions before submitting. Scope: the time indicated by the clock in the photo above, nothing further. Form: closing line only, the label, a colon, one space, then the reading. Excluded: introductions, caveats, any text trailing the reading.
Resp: 11:16
